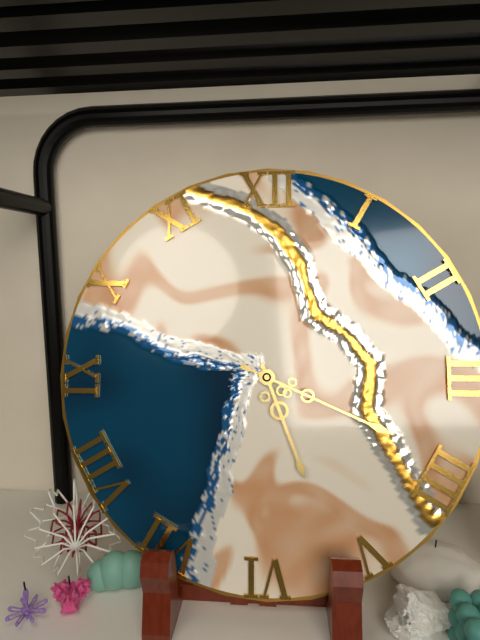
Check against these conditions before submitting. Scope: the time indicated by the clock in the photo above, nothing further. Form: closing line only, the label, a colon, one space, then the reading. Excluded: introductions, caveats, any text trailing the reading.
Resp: 5:19
